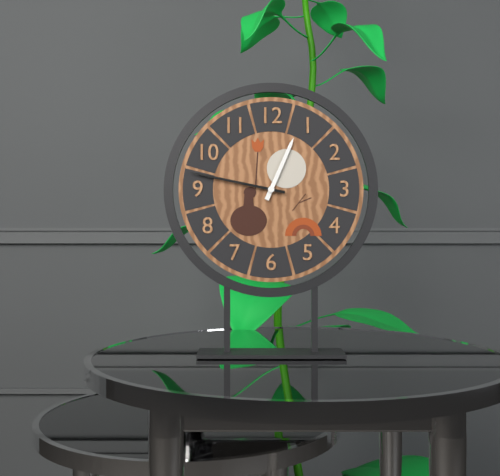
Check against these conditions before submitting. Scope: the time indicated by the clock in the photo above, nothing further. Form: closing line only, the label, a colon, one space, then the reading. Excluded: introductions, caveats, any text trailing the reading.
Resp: 12:47
